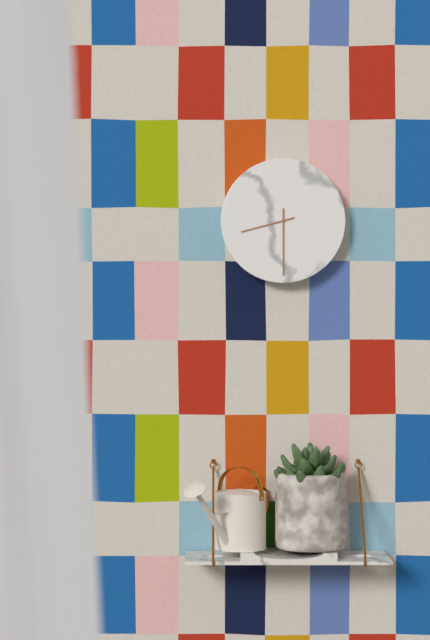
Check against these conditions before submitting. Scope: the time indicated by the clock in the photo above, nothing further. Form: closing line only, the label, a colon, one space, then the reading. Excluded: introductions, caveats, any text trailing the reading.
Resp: 8:30
